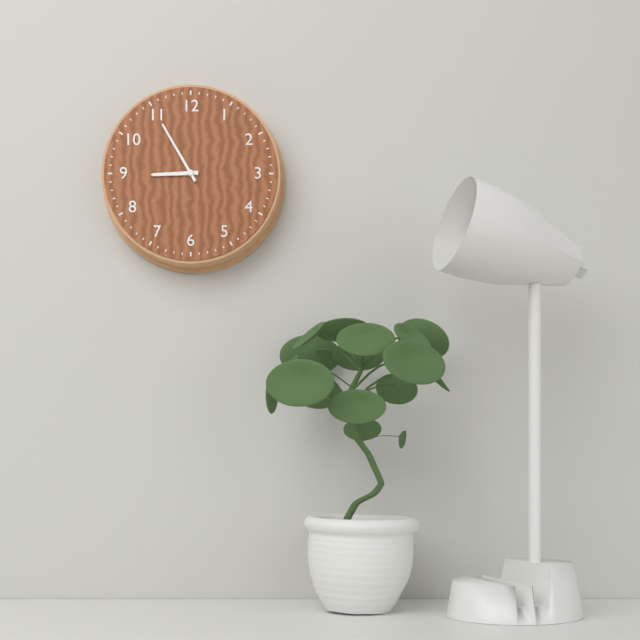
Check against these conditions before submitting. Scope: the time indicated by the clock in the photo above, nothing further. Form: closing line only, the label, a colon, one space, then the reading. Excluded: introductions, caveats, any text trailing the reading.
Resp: 8:55
